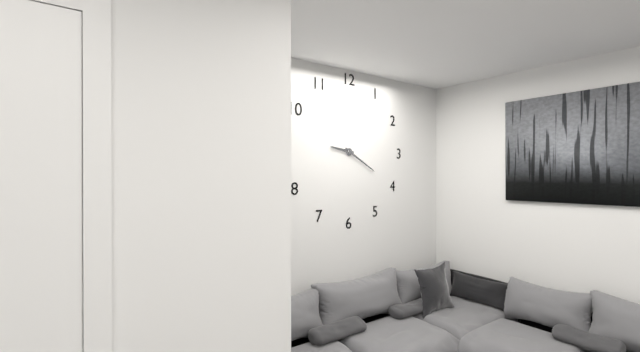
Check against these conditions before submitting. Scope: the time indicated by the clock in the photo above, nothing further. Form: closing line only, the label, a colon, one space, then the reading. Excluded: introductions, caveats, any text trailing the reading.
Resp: 9:20
